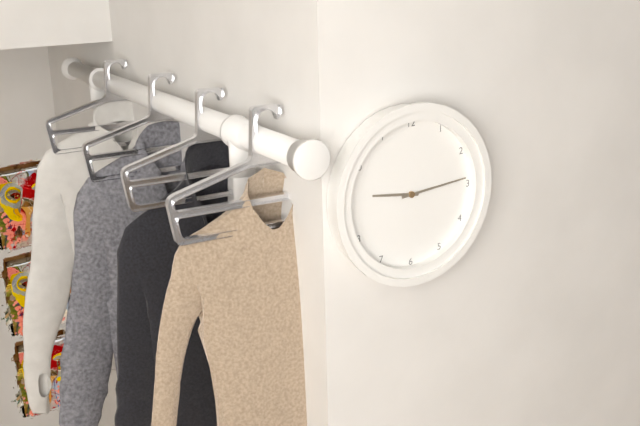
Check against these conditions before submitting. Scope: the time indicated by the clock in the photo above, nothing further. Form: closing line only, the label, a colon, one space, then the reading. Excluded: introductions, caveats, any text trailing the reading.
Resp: 9:14
